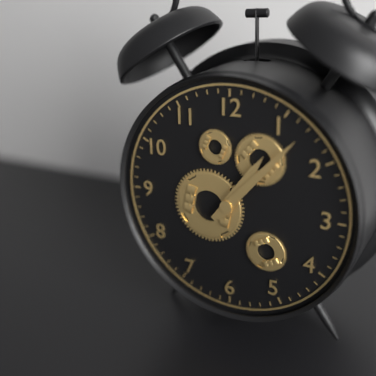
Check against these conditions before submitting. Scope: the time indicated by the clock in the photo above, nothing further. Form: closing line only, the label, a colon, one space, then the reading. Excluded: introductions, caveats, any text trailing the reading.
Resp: 1:07
